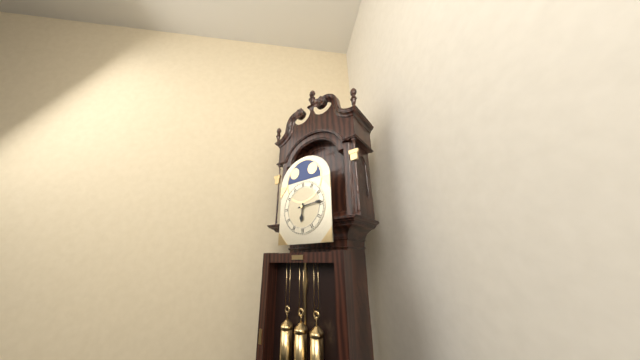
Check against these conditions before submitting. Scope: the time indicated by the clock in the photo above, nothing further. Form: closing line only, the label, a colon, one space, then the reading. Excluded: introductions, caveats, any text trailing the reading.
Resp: 6:14
